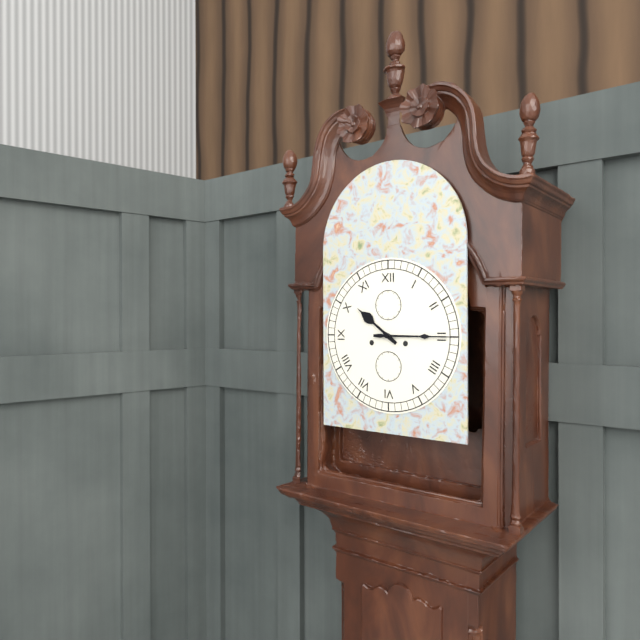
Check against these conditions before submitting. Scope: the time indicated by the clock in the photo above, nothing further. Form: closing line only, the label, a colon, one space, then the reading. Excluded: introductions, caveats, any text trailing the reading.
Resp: 10:15
